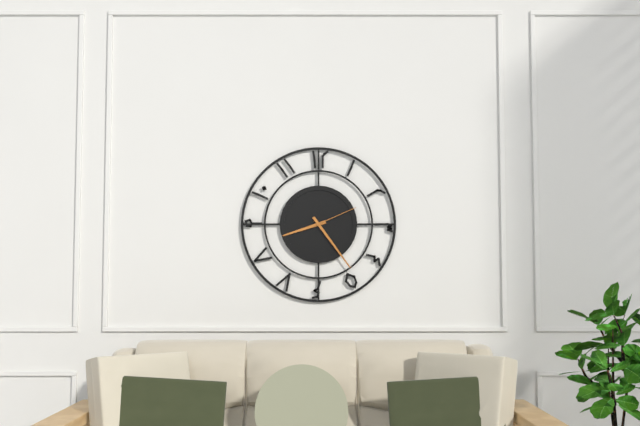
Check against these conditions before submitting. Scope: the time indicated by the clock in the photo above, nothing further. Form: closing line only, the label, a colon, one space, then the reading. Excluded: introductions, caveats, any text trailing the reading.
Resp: 8:24:11
